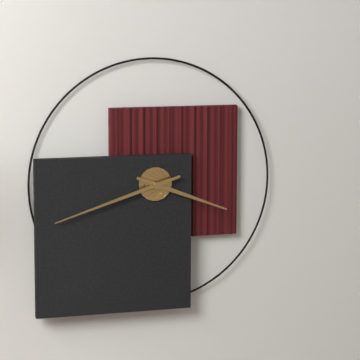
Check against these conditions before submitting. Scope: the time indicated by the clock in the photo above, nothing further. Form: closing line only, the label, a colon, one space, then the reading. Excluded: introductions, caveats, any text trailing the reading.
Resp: 3:42
